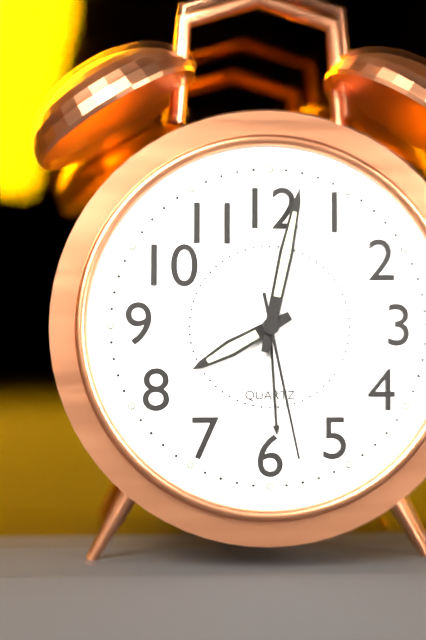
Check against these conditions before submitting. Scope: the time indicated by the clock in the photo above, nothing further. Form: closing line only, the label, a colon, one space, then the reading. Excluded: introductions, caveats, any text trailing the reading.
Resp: 8:02:28
